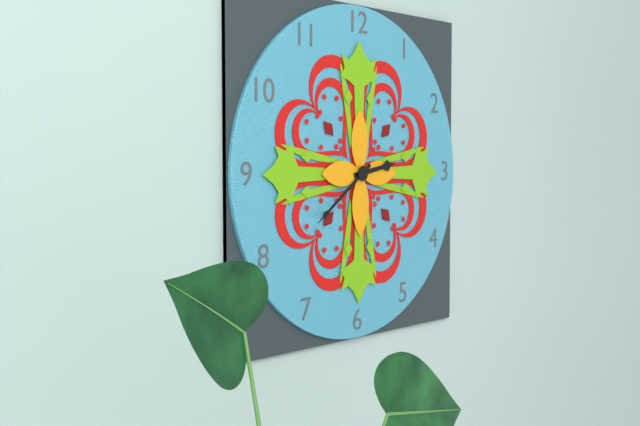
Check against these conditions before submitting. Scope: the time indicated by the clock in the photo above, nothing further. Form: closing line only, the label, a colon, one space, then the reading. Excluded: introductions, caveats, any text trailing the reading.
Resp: 2:39
